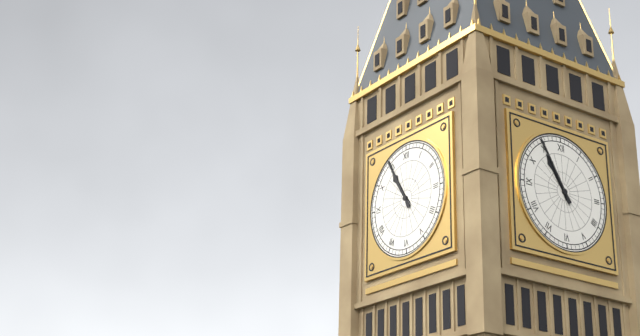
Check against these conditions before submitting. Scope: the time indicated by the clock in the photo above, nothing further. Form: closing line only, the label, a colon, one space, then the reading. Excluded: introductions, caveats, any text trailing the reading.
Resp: 10:55
